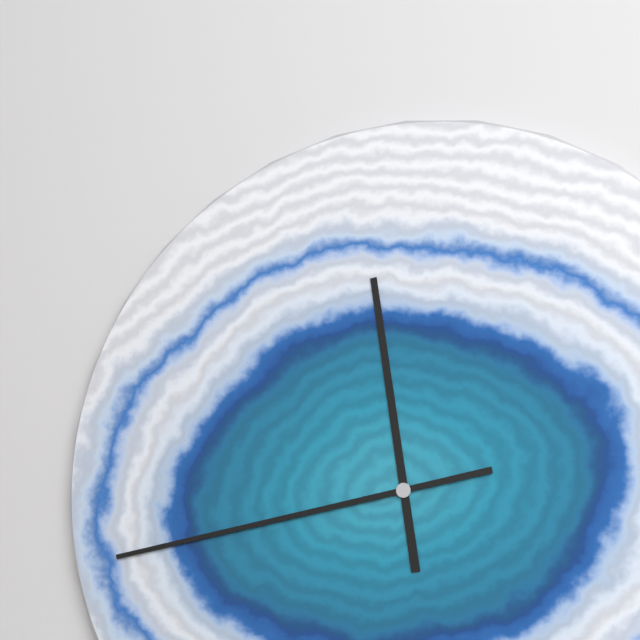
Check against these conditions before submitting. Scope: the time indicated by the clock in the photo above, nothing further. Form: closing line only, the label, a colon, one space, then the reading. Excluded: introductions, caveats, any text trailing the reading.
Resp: 11:43
